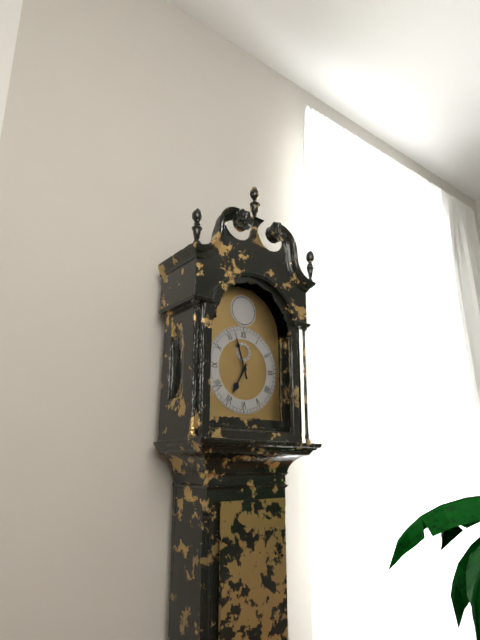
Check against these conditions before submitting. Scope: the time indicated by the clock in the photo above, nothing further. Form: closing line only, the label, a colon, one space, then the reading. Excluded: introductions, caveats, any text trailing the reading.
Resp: 6:57
